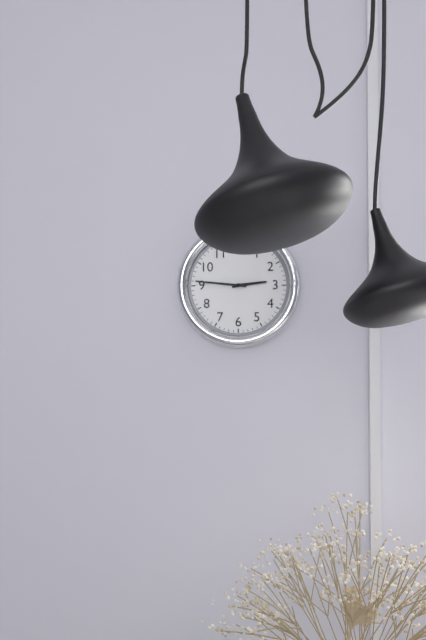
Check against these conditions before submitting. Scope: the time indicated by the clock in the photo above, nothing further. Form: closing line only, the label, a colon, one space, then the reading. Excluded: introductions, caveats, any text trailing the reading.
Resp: 2:46
